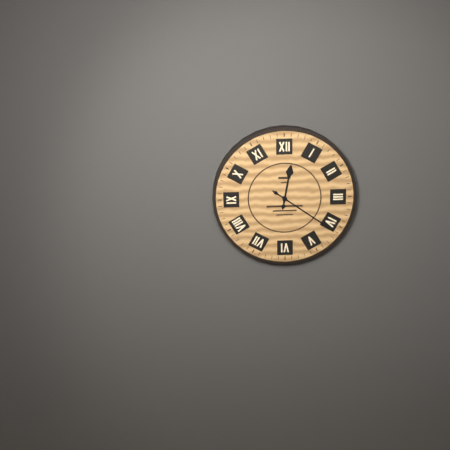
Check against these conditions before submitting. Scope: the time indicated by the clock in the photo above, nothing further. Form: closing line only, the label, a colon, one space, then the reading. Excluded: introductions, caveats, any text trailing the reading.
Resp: 12:21
